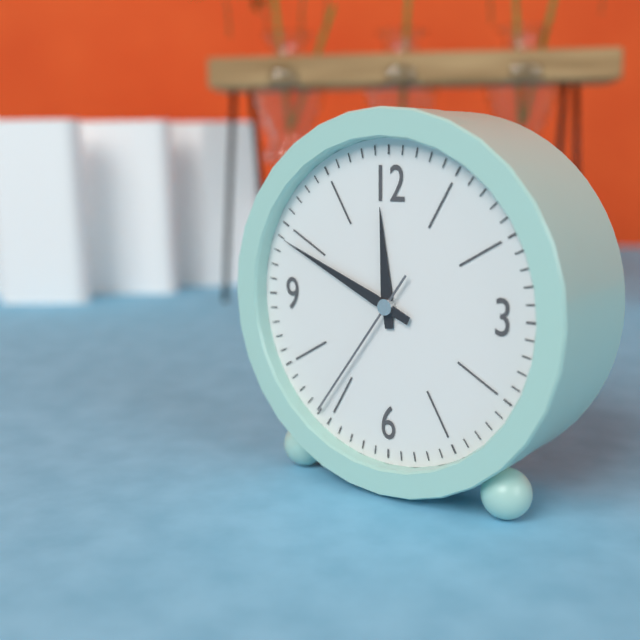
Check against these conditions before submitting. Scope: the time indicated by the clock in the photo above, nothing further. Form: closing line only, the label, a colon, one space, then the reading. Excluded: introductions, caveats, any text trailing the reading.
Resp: 11:49:36
